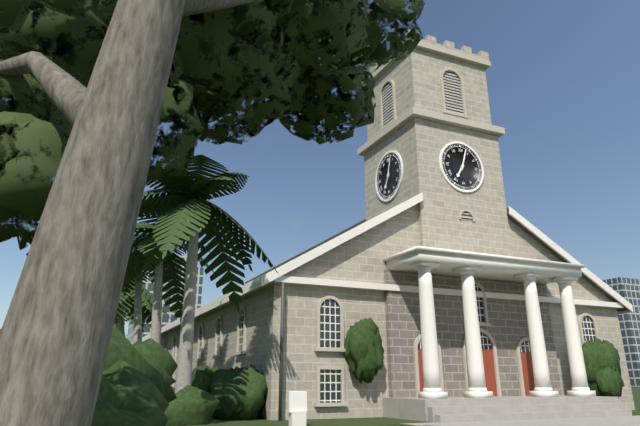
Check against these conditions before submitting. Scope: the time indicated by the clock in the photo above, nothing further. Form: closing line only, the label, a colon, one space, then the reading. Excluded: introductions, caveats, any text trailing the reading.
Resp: 7:03
